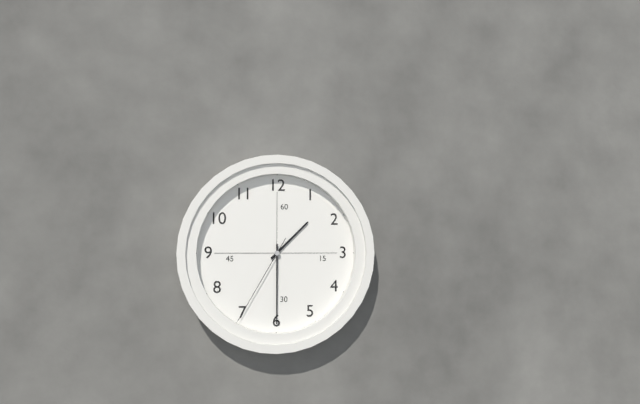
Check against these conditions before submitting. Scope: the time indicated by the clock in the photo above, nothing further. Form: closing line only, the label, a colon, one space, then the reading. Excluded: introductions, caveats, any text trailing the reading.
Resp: 1:30:35
